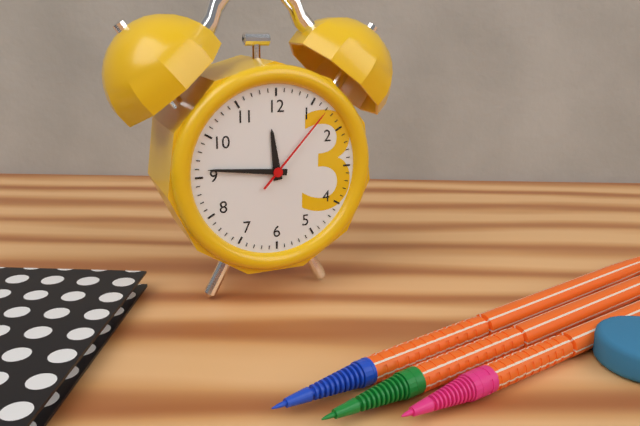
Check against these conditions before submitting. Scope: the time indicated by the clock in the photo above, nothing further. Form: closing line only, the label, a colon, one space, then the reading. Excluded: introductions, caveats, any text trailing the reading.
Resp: 11:46:07
